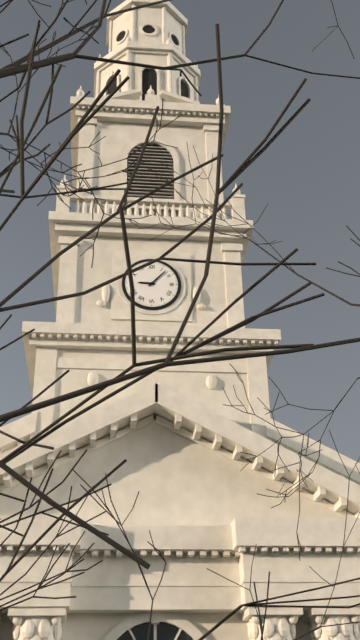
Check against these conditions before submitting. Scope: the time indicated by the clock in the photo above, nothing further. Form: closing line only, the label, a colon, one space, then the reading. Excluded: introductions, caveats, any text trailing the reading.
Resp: 9:07
